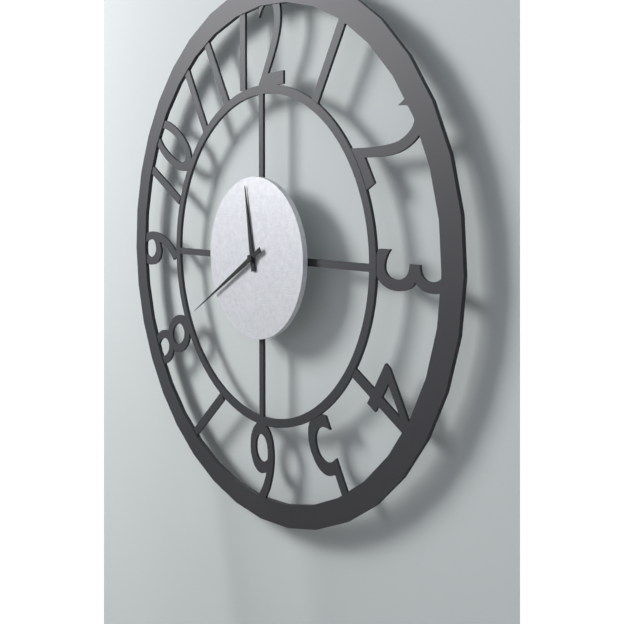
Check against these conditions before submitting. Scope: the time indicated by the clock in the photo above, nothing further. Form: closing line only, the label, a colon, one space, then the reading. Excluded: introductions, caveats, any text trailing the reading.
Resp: 11:40
